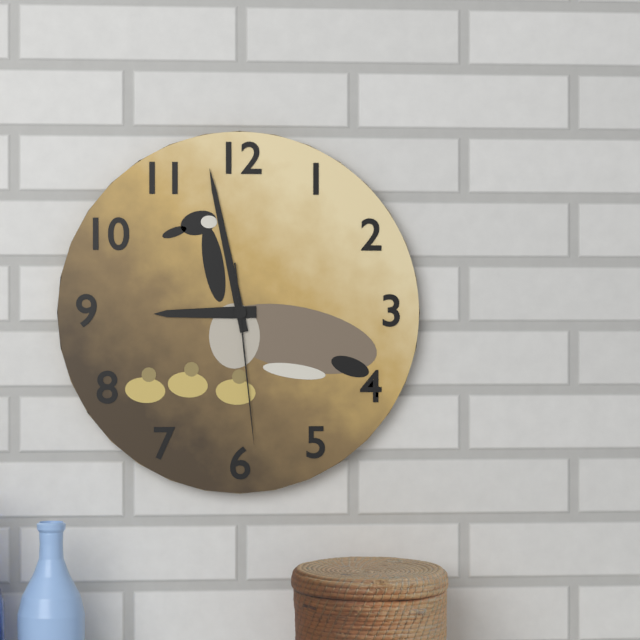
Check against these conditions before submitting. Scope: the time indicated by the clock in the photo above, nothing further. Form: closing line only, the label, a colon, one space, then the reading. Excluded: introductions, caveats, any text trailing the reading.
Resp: 8:58:29
